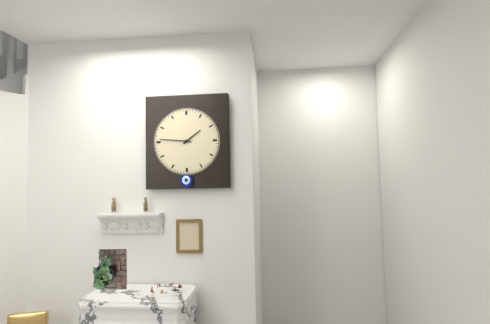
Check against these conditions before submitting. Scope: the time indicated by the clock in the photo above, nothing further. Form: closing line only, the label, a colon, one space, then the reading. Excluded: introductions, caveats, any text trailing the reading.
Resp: 1:46
